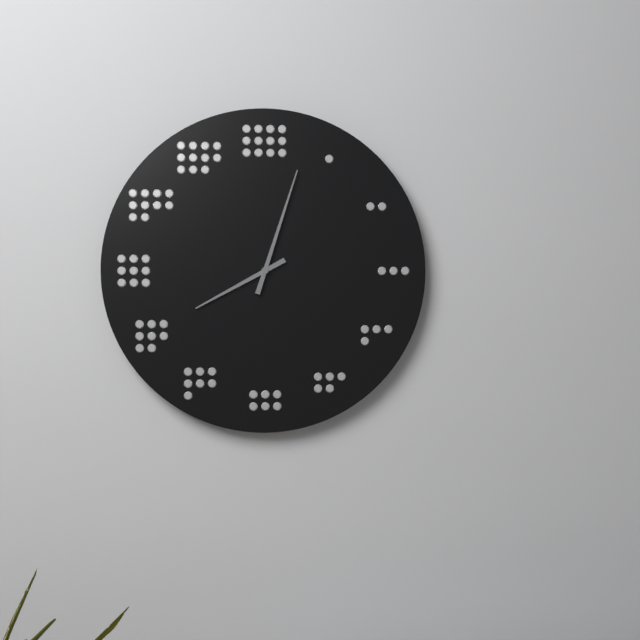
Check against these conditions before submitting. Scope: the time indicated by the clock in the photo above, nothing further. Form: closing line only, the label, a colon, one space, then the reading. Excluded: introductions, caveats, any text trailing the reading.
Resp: 8:03
